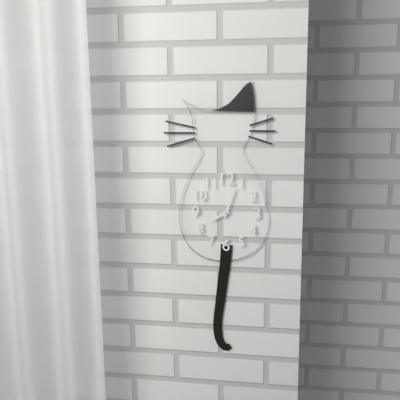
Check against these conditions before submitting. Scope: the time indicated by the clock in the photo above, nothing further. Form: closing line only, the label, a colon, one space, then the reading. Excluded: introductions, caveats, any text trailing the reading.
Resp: 8:03
